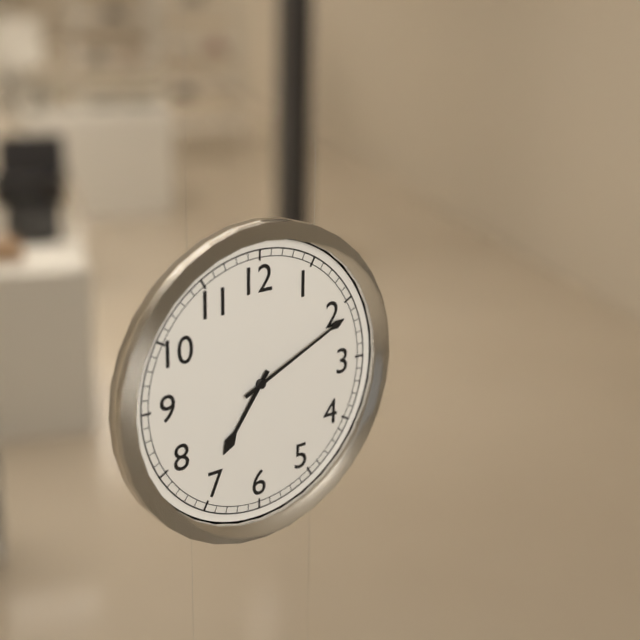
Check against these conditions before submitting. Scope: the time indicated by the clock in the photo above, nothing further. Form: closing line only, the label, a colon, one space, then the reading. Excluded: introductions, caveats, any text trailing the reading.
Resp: 7:11
